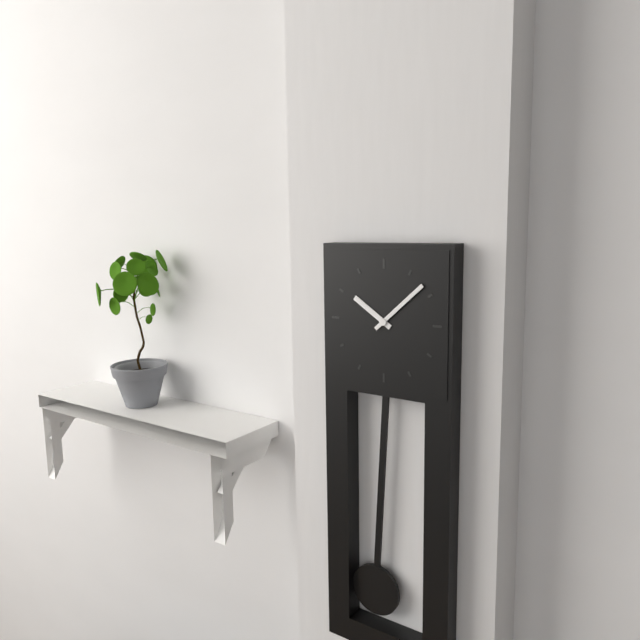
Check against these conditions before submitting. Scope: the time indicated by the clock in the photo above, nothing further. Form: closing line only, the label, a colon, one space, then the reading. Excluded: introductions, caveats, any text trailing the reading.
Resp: 10:08
